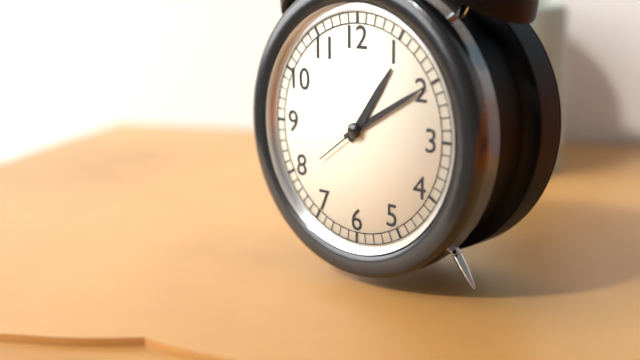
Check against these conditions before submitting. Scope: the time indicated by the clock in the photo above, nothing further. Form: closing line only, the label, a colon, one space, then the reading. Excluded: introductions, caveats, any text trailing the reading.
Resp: 1:10:39
